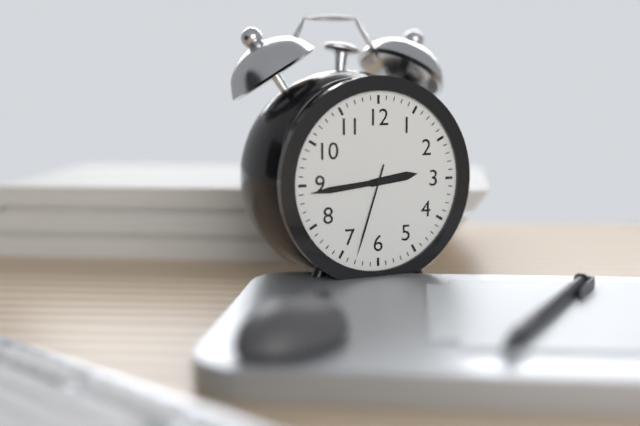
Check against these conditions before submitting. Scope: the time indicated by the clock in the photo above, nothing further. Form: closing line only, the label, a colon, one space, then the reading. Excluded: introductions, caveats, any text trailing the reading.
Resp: 2:44:33
